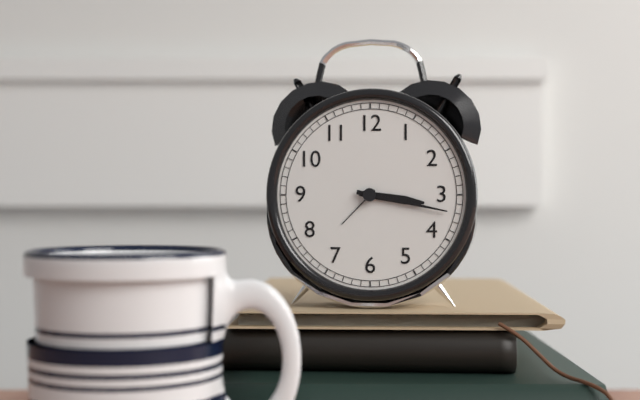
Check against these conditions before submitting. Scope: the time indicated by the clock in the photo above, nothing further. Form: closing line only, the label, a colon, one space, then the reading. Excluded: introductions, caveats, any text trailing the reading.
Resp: 3:17
